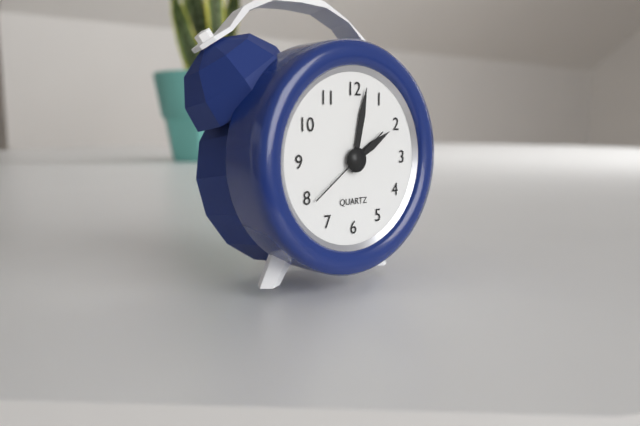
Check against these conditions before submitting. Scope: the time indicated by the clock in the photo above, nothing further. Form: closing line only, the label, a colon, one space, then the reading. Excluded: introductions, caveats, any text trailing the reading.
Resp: 2:02:39
